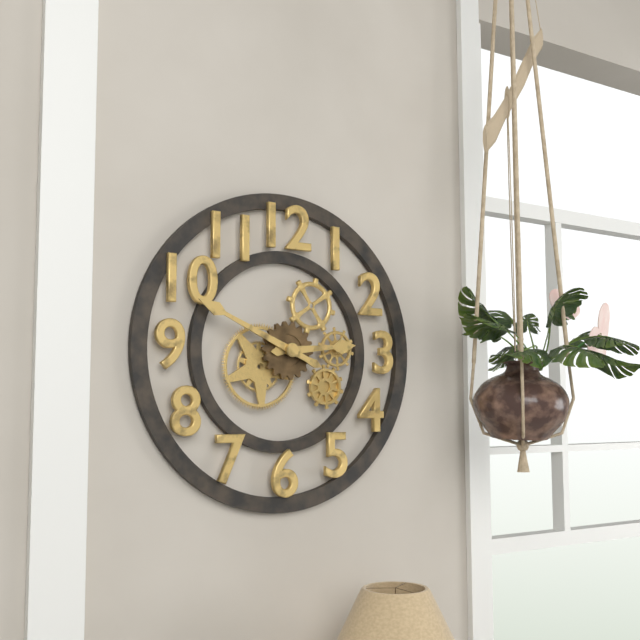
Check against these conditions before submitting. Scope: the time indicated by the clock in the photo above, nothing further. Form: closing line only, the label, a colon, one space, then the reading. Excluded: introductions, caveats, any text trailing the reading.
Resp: 2:49
